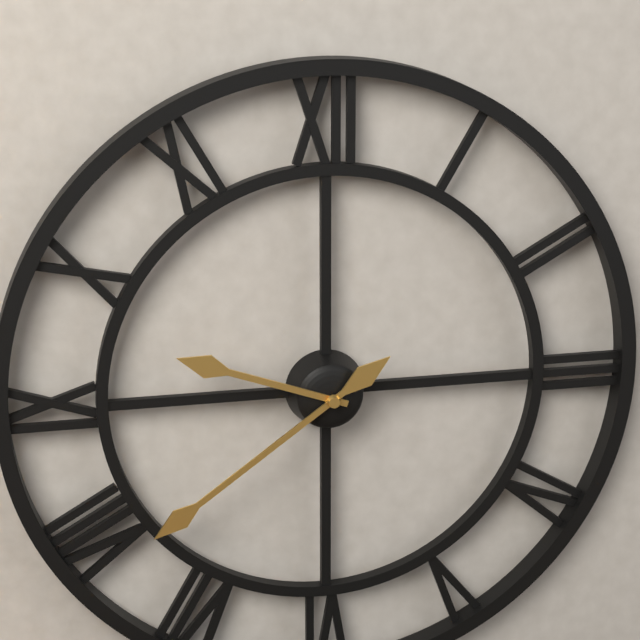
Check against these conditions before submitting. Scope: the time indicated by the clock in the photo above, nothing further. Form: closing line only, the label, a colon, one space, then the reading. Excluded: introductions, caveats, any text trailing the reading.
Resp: 9:39
